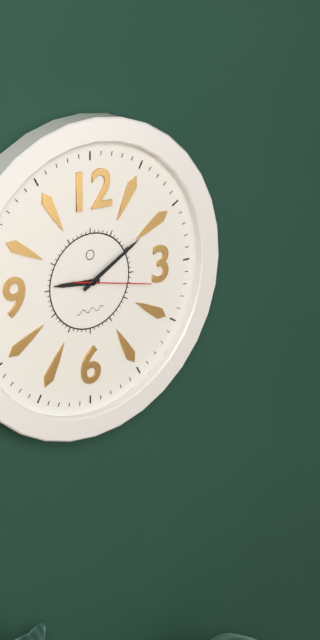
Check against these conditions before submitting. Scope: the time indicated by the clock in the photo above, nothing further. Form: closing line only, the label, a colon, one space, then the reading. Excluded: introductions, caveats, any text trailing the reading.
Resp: 9:10:17
